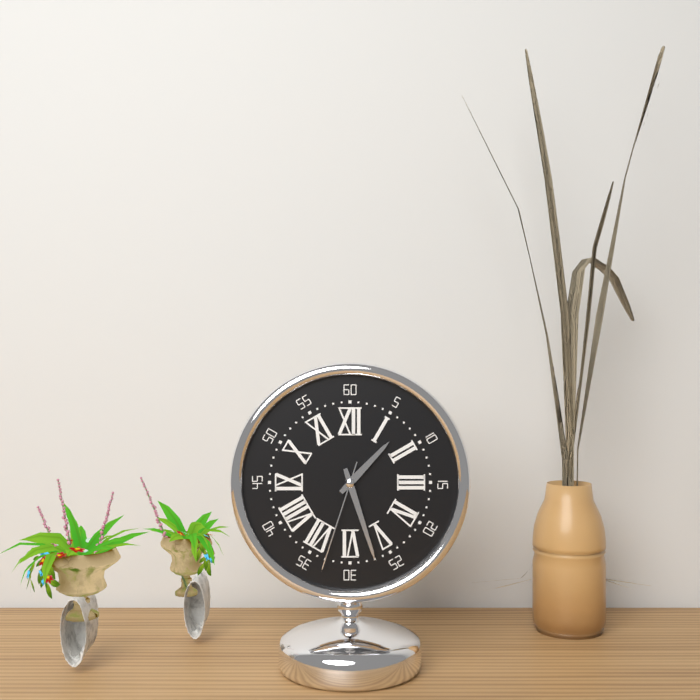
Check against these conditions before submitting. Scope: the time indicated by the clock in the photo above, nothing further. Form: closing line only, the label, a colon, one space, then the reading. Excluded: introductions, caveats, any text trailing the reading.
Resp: 1:27:33
